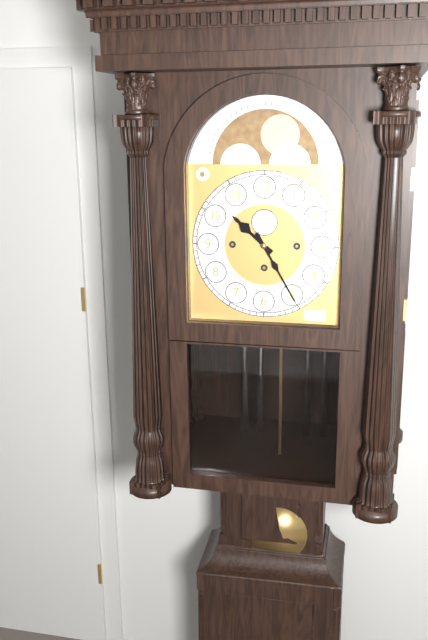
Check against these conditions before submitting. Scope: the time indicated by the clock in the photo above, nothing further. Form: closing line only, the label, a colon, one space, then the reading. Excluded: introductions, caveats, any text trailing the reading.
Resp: 10:25
